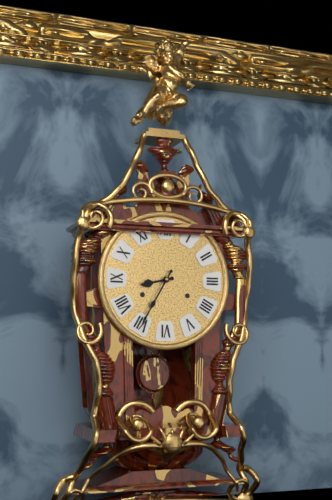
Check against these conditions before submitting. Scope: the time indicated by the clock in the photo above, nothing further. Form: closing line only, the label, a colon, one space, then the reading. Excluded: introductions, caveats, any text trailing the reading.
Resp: 8:35
